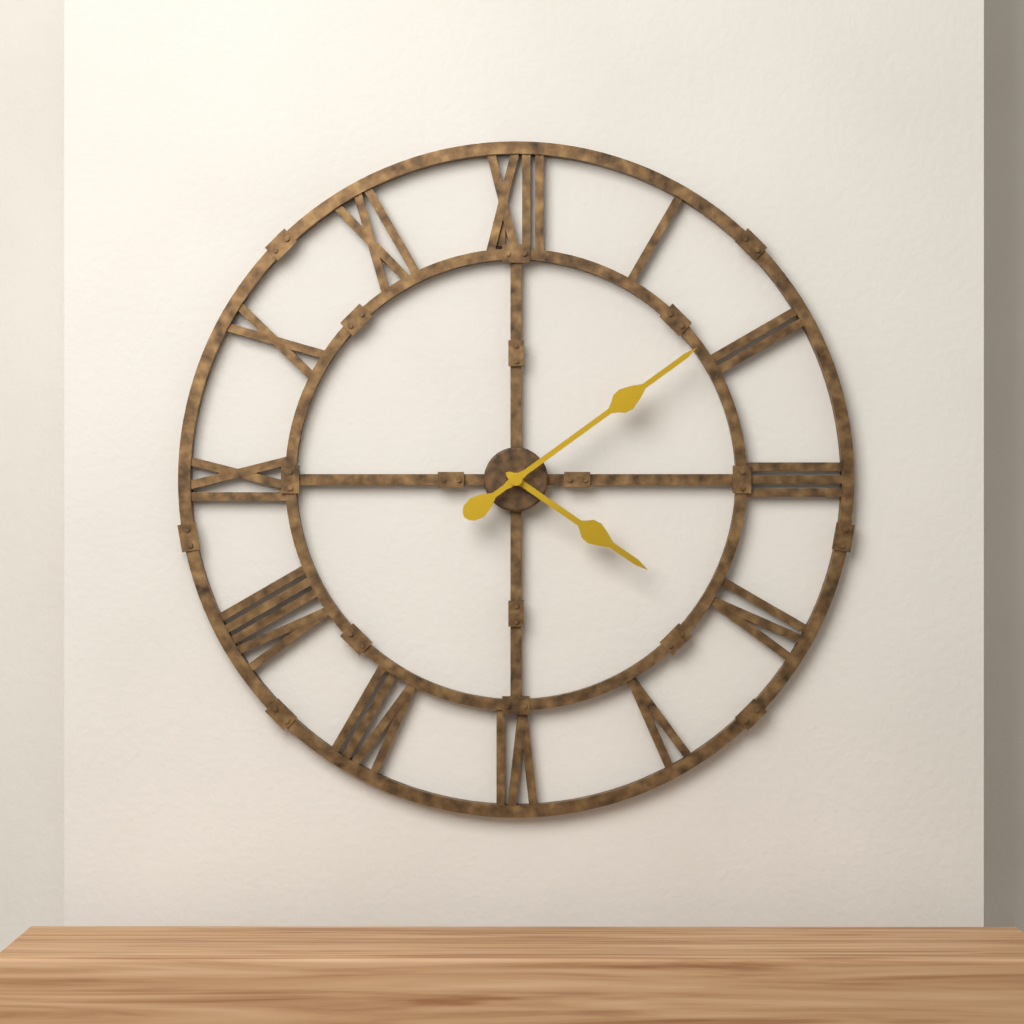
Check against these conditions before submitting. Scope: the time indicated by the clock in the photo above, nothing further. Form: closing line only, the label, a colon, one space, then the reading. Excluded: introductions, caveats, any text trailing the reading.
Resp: 4:09
